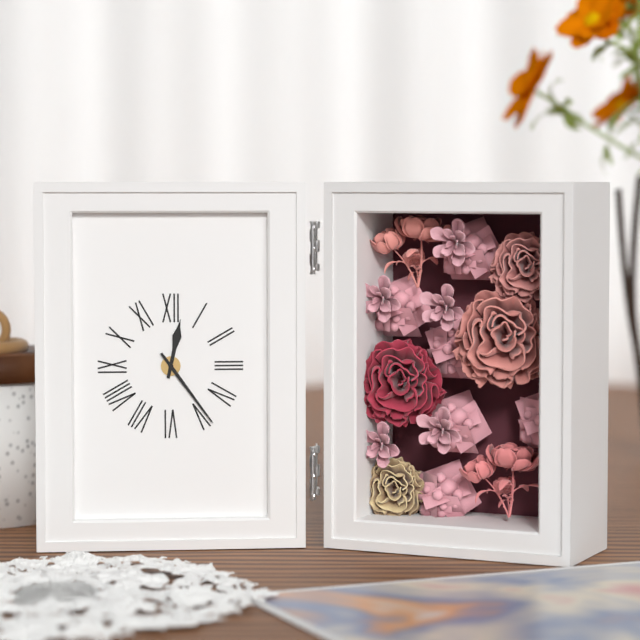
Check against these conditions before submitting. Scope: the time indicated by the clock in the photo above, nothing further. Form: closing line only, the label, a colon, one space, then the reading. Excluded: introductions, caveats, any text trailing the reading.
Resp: 12:24
